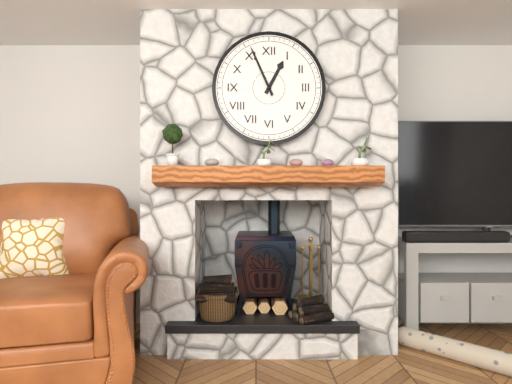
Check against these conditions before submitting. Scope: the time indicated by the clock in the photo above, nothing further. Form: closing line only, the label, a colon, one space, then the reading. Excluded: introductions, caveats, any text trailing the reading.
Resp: 12:56
